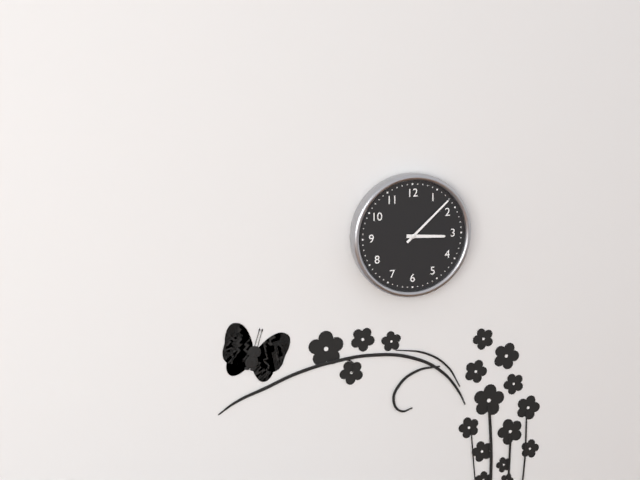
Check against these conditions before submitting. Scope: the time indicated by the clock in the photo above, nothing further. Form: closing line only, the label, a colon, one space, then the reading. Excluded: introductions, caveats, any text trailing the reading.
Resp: 3:08
